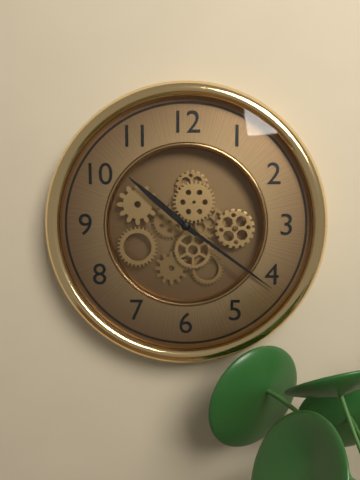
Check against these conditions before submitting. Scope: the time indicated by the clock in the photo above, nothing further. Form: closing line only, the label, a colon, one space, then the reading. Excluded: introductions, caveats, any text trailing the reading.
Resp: 10:21
